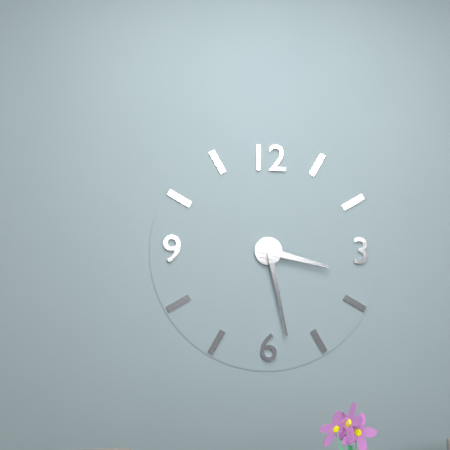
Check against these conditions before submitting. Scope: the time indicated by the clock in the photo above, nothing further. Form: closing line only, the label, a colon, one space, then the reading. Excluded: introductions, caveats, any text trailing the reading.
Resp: 3:28
